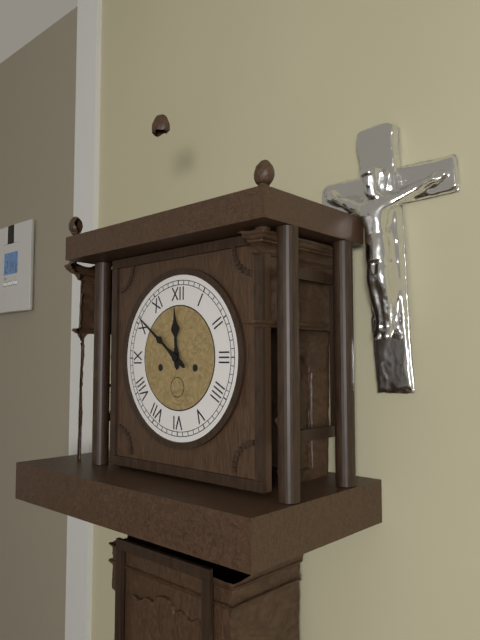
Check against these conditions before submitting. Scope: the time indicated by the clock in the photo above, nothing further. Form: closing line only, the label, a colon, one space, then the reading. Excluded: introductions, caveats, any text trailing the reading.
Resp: 11:51
